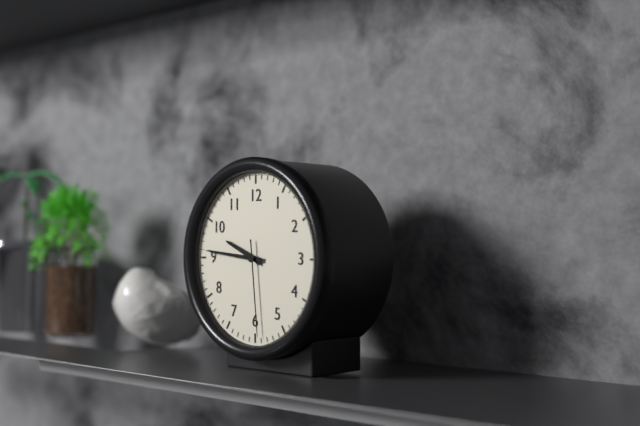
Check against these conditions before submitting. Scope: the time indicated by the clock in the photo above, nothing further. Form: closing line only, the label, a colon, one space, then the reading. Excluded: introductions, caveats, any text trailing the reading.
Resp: 9:46:29
